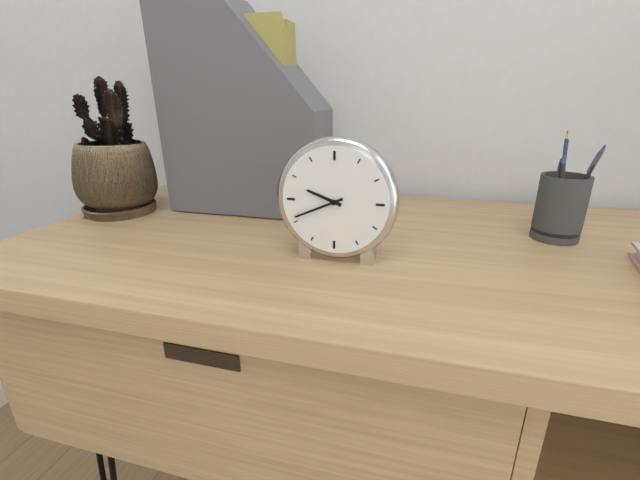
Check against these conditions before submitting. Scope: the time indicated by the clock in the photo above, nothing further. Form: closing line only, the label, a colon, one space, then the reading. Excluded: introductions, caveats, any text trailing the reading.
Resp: 9:41
